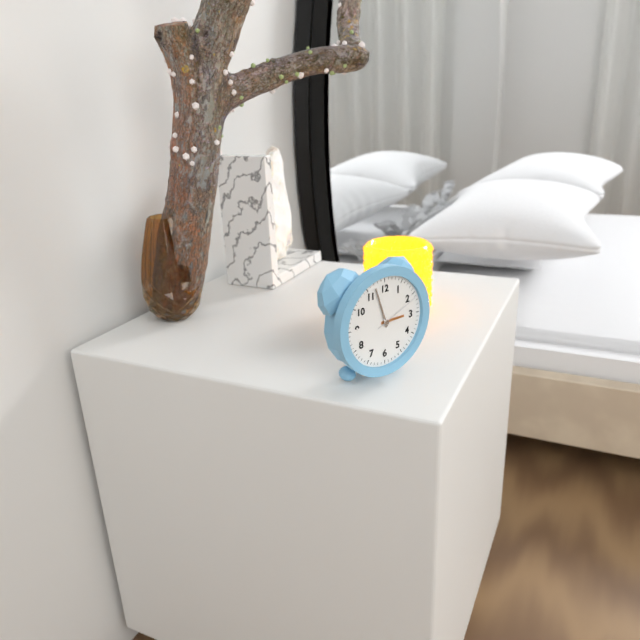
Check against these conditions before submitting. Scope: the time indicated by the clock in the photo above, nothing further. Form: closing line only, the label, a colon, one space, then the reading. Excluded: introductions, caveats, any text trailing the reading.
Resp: 2:57
